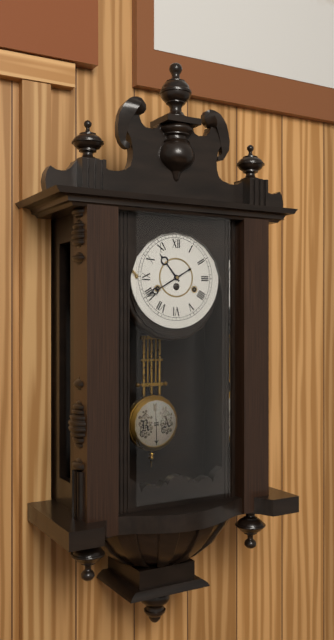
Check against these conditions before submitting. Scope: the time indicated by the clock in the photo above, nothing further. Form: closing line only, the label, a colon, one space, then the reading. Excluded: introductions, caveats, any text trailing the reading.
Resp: 10:40
